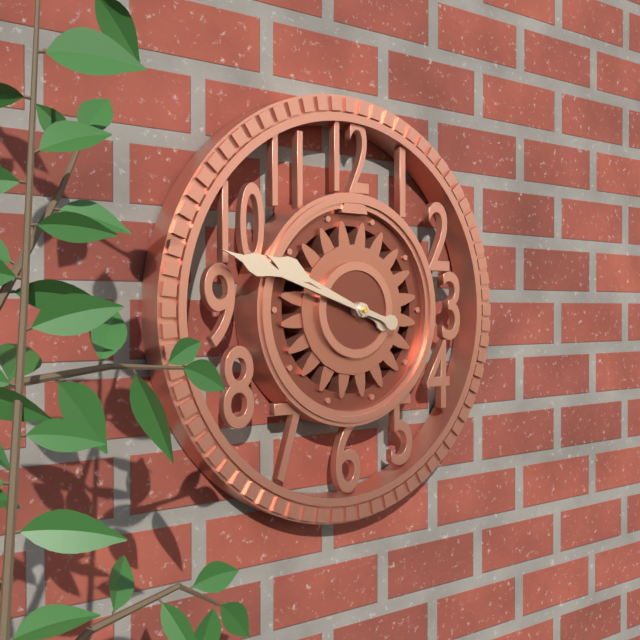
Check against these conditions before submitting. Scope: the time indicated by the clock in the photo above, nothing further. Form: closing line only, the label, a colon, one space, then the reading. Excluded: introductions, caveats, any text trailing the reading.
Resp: 9:48
